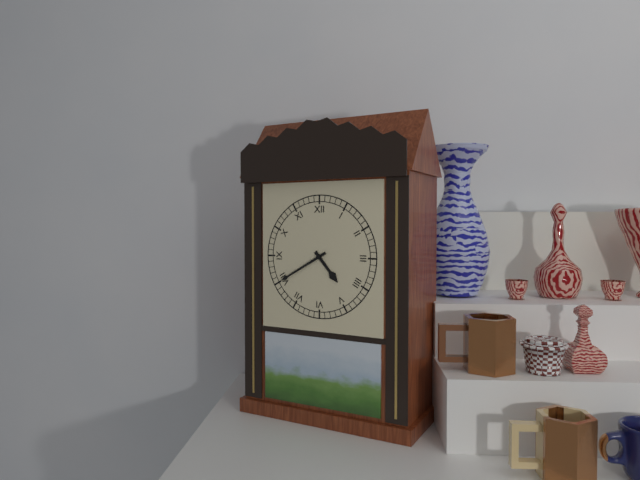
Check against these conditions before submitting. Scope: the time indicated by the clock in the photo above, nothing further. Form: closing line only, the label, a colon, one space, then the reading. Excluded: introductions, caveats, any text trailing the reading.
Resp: 4:40
